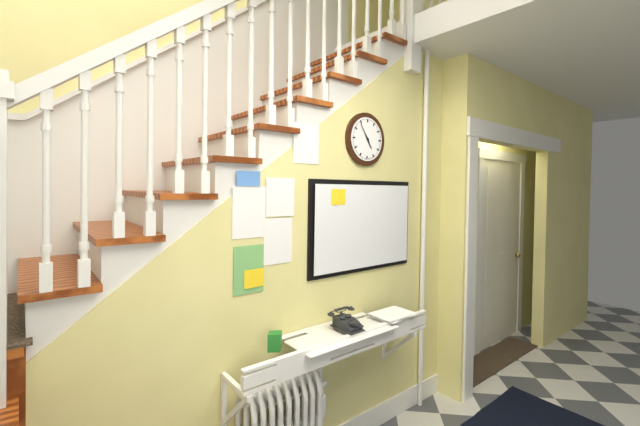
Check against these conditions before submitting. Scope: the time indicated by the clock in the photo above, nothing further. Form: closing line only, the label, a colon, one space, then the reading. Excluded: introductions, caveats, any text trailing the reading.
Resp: 4:54
